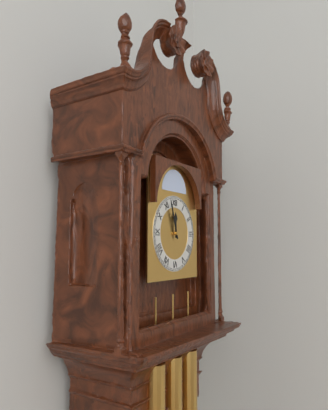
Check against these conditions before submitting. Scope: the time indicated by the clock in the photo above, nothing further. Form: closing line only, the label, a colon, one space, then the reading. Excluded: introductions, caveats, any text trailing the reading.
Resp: 11:57
